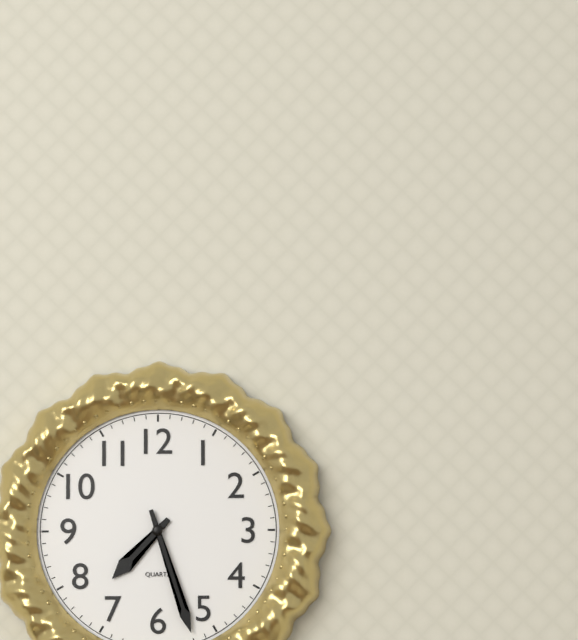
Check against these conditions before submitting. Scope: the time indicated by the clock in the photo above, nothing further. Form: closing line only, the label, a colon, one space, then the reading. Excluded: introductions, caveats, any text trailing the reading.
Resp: 7:27
